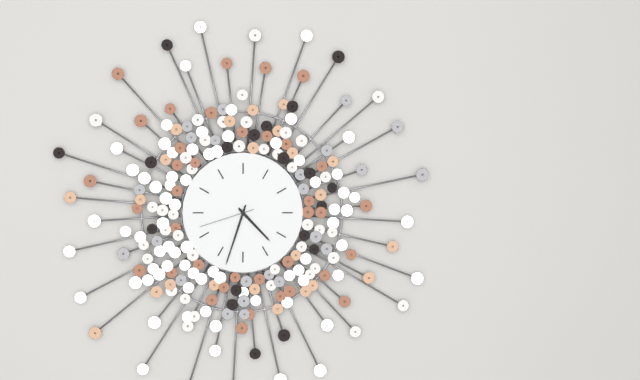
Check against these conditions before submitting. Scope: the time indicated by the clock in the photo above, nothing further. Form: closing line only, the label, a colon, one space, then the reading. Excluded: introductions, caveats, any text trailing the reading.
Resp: 4:33:42
